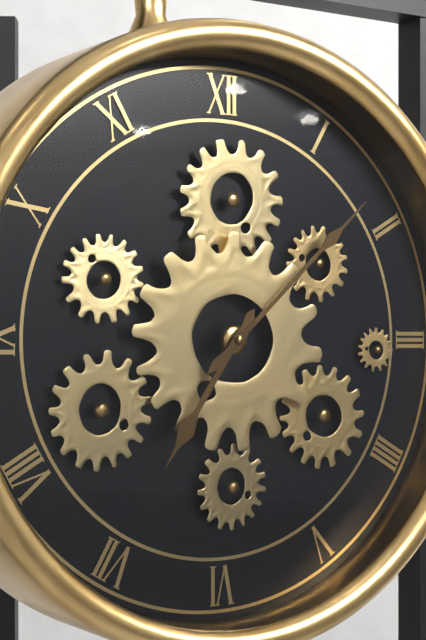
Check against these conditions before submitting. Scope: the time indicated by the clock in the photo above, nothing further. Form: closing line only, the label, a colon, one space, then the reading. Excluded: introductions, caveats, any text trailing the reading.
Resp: 7:08
